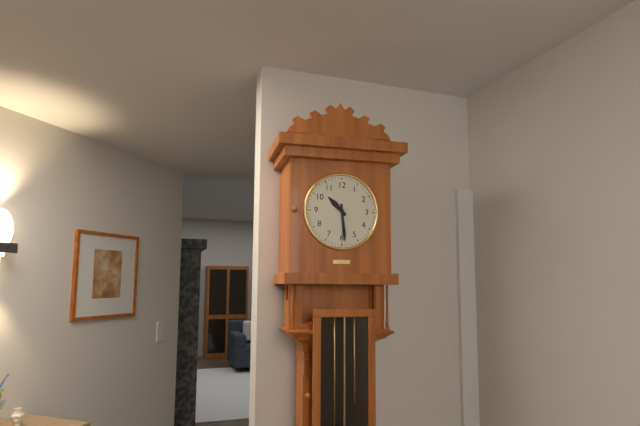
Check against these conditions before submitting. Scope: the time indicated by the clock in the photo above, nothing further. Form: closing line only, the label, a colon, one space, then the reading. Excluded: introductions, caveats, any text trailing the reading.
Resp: 10:29
